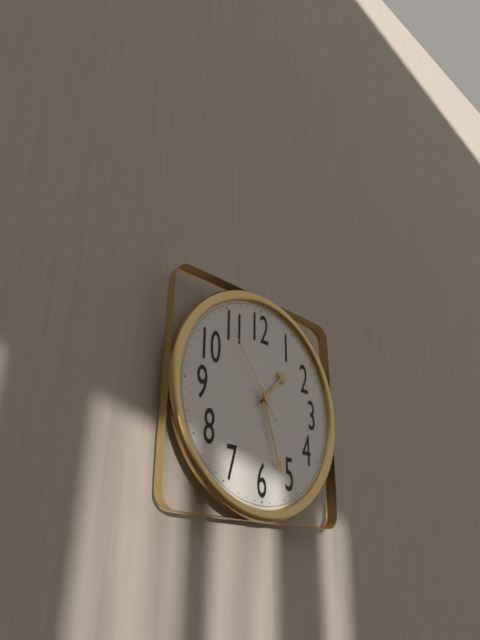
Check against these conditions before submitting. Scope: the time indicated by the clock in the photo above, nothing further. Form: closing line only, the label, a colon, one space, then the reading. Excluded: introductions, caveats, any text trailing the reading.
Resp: 1:27:54
